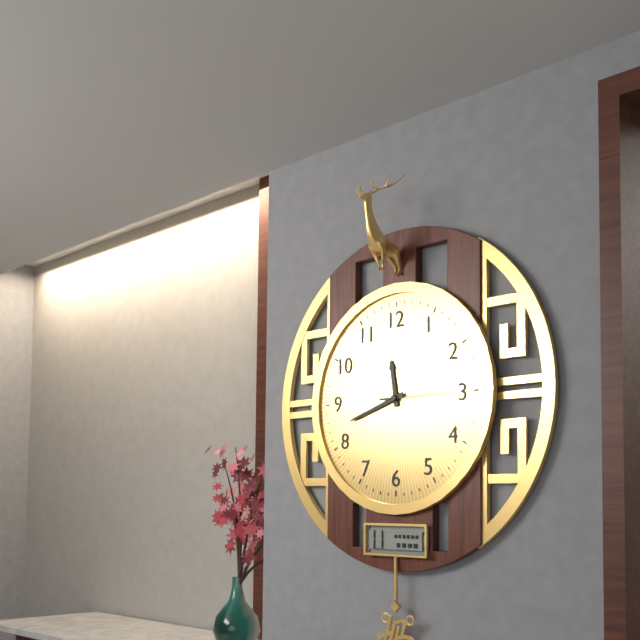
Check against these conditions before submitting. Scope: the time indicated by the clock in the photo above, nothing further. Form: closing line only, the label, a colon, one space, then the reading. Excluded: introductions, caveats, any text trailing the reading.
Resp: 11:42:15
